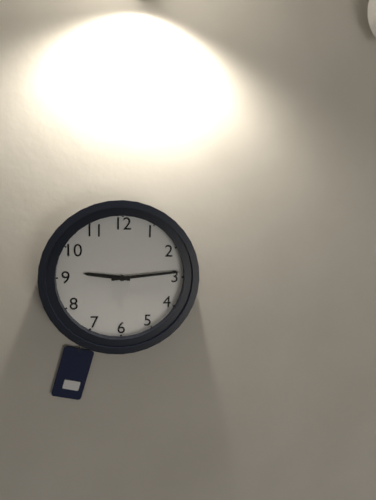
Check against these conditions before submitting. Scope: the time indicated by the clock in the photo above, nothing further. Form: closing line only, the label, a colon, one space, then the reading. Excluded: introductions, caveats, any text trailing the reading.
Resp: 9:14
